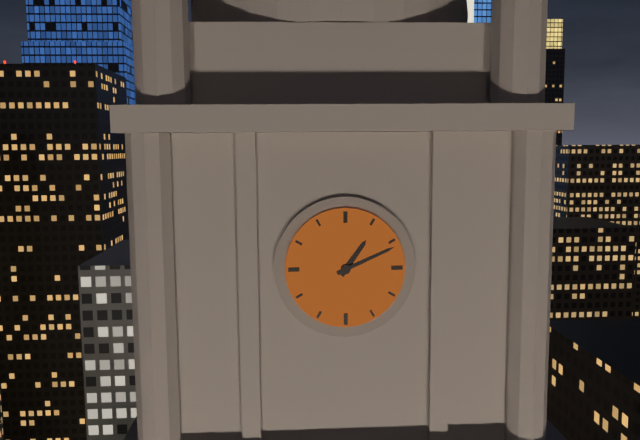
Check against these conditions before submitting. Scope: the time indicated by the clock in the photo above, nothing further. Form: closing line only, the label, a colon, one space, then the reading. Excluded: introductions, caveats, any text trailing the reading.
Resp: 1:11
